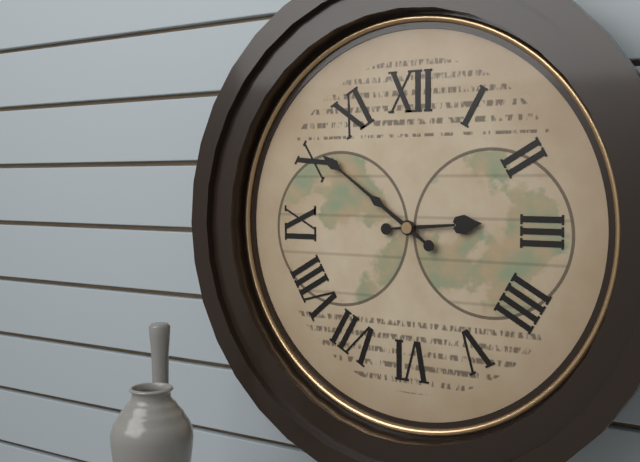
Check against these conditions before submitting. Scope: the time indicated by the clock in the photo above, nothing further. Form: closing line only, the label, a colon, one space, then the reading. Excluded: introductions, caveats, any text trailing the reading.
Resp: 2:51
